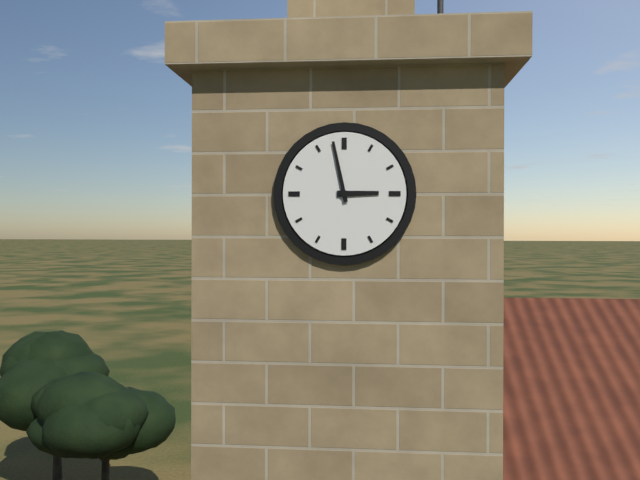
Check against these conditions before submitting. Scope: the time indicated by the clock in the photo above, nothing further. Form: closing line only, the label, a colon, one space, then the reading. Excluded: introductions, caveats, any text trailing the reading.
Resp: 2:58
